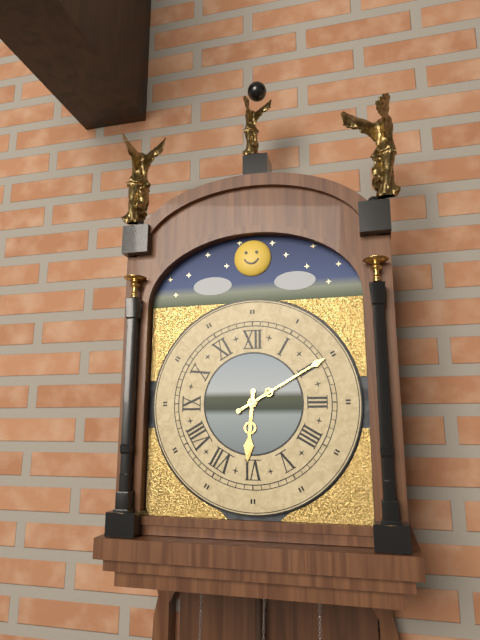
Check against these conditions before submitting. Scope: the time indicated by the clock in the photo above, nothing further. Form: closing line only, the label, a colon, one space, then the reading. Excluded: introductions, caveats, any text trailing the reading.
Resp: 6:10
